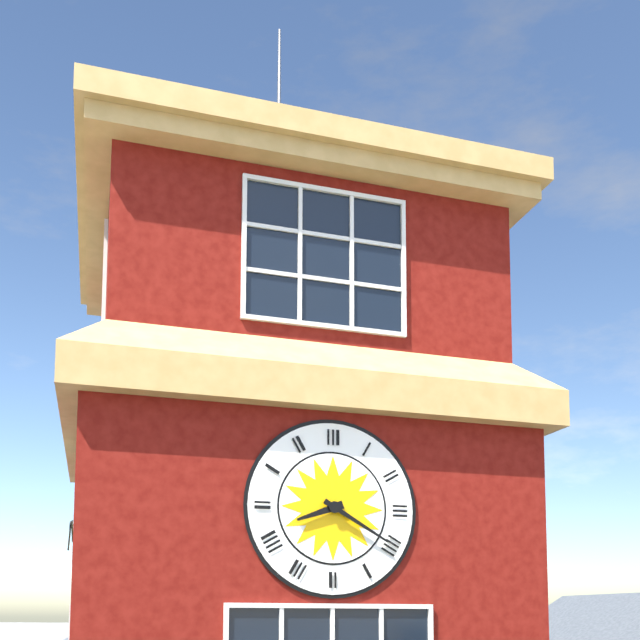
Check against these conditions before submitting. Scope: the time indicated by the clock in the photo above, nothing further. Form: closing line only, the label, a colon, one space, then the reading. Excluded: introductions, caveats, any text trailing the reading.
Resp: 8:20
